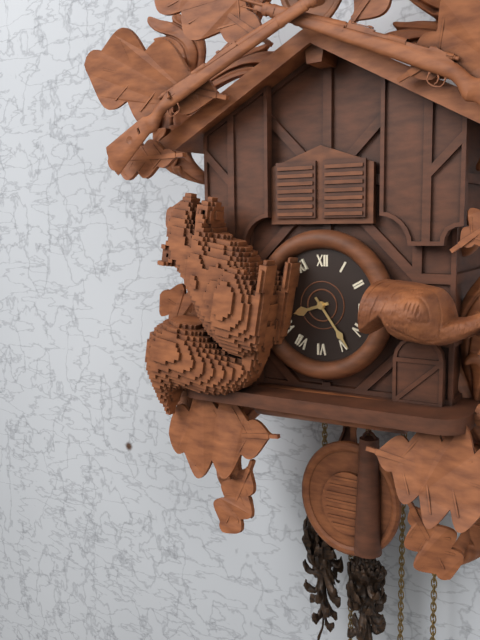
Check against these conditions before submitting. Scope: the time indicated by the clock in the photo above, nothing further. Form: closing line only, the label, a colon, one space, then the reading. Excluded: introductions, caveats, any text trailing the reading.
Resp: 8:24
